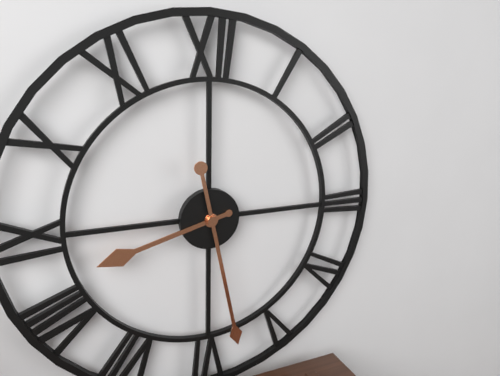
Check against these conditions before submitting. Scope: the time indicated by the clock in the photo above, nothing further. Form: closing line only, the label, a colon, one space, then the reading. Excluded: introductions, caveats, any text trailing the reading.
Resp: 8:28
